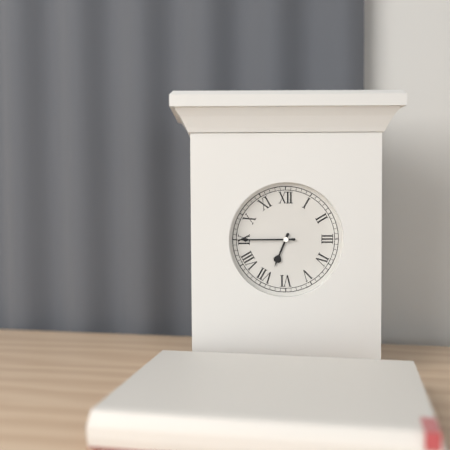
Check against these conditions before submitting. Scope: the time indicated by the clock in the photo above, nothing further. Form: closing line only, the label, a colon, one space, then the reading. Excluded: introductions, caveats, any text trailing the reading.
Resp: 6:45
